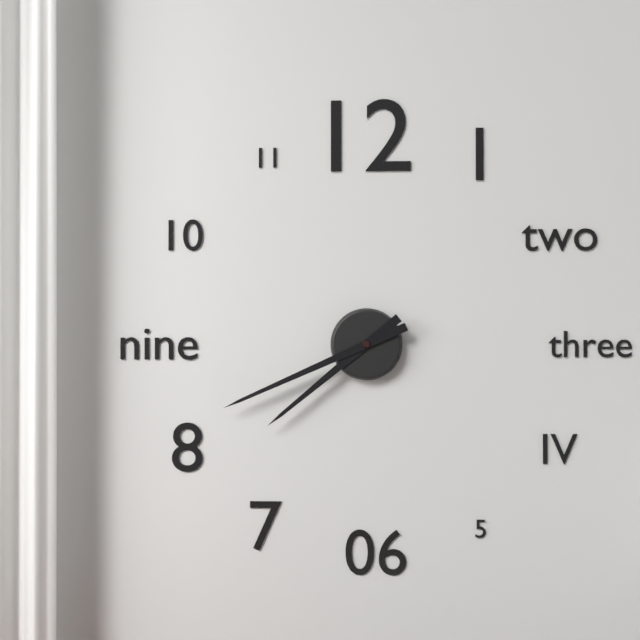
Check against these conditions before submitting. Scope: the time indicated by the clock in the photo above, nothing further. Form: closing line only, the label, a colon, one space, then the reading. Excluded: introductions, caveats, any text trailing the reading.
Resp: 7:41
